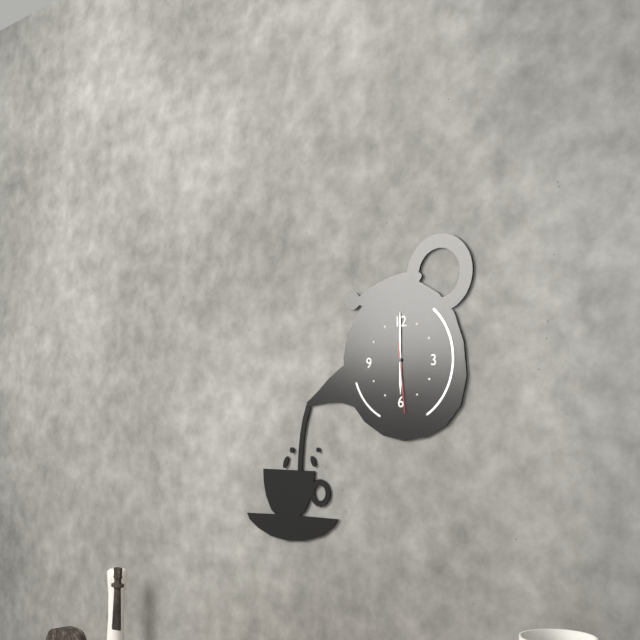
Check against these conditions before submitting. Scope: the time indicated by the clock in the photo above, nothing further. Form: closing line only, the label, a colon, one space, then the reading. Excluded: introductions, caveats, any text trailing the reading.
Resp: 6:00:29
